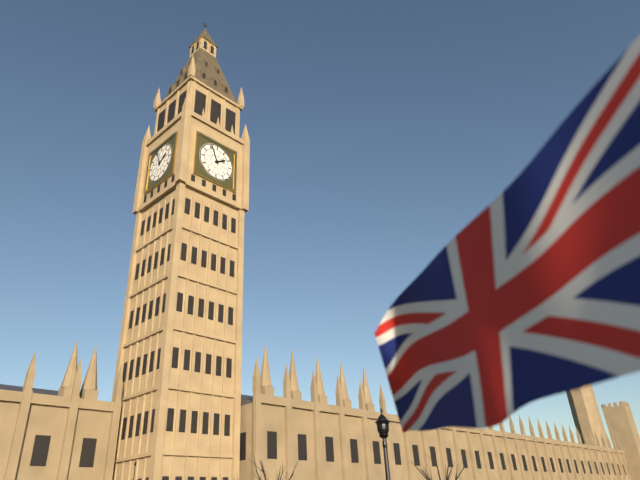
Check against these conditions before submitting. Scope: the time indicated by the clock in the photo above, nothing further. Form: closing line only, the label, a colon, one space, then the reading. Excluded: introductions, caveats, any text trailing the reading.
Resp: 1:56
